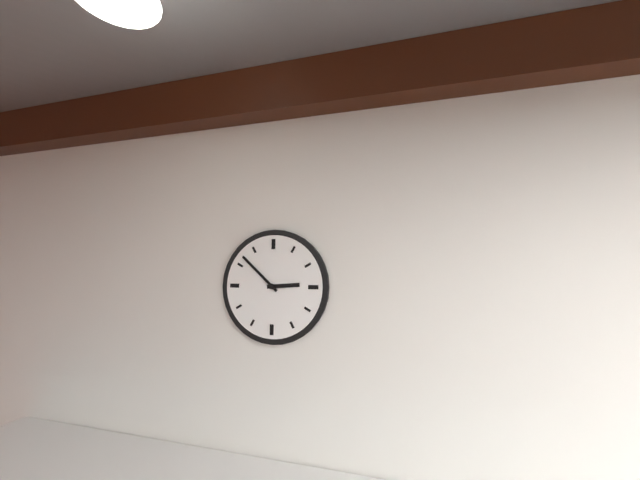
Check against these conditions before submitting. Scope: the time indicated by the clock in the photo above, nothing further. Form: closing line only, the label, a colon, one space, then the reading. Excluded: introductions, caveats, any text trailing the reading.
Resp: 2:52
